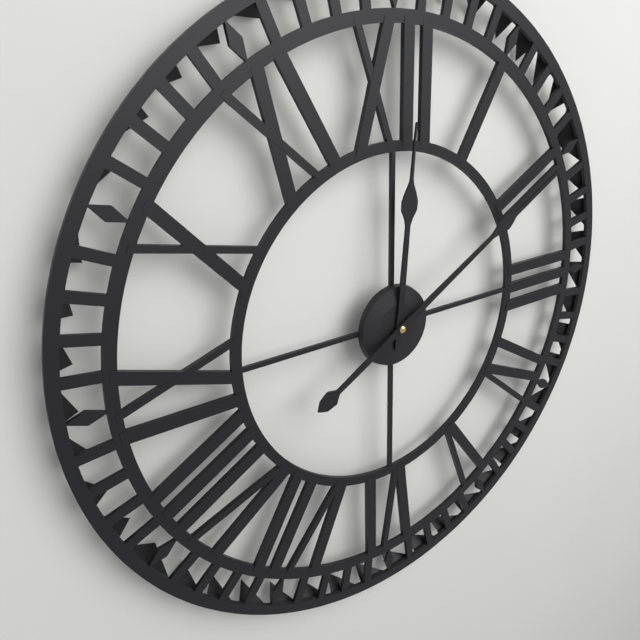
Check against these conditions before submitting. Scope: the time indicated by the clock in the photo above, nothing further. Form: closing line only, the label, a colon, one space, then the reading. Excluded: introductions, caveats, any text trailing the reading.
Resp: 12:10
